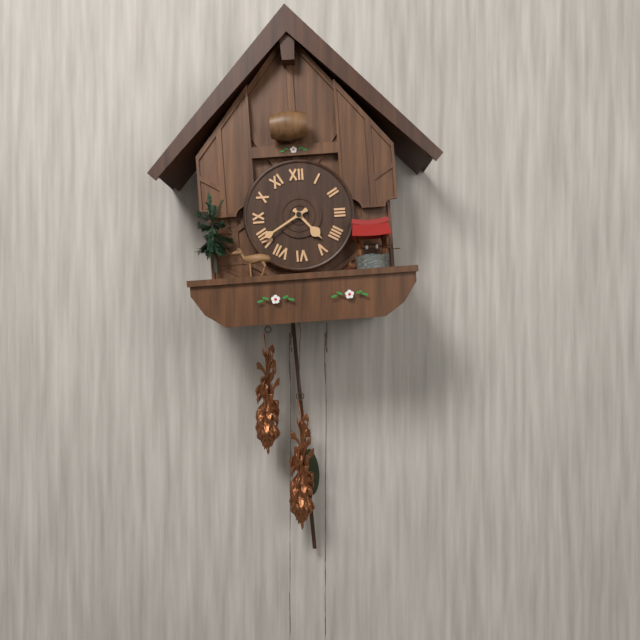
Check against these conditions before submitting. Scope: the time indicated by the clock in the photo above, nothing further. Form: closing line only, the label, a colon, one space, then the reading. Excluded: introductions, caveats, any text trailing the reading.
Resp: 4:40
